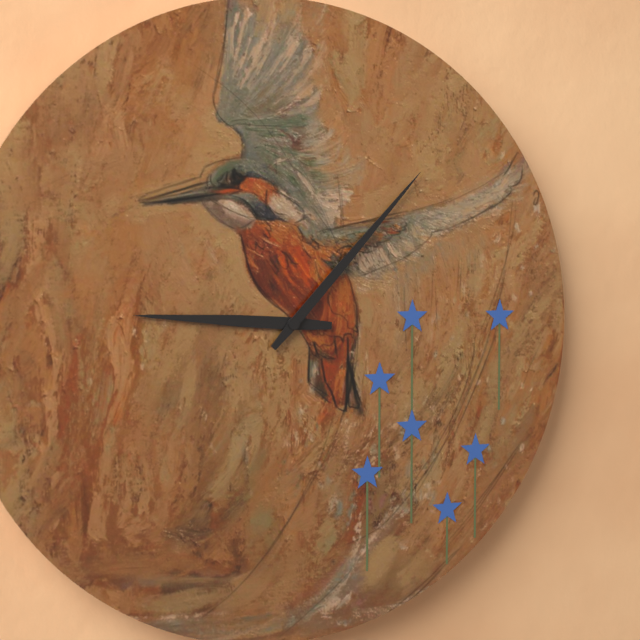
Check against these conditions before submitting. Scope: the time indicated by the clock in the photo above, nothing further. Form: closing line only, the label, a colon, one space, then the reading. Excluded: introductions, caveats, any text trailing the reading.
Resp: 9:07
